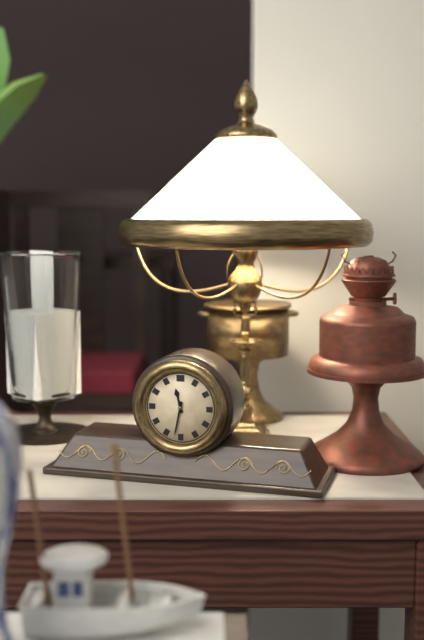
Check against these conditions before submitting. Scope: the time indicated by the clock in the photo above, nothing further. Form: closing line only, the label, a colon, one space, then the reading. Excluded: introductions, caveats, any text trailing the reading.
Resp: 11:32
